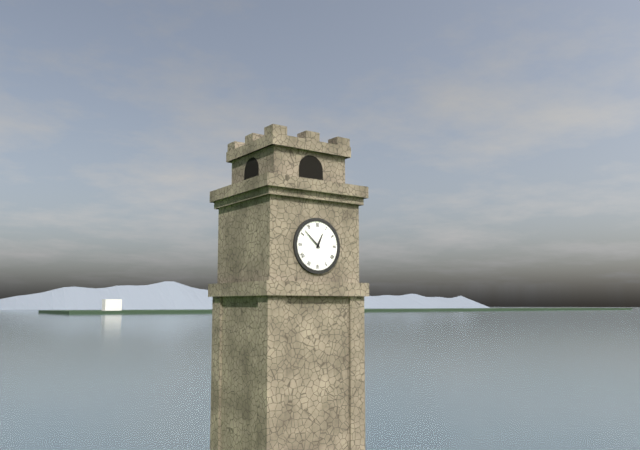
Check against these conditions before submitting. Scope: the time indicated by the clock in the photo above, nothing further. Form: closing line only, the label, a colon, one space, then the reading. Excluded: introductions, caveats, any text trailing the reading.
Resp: 12:52
